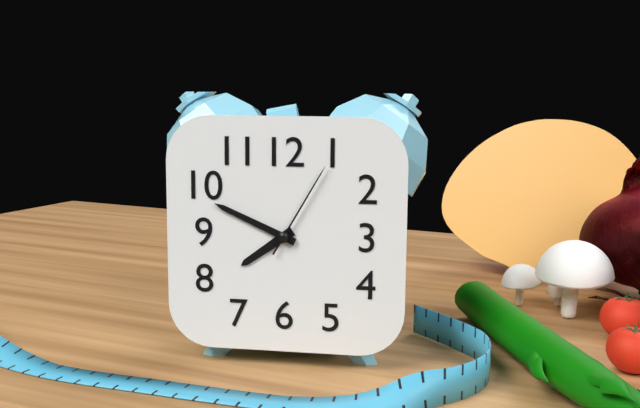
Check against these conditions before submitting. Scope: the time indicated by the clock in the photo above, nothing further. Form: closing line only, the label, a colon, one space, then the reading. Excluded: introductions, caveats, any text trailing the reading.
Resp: 7:49:05
